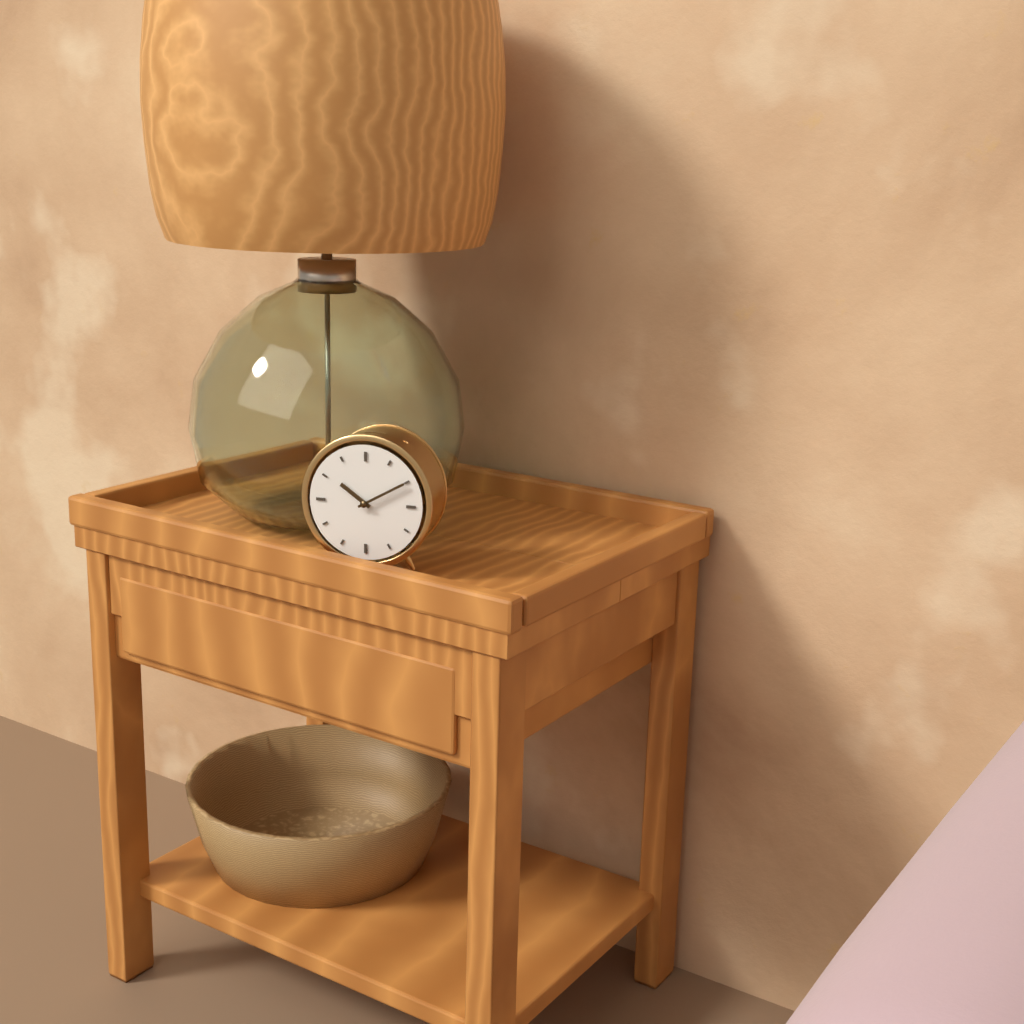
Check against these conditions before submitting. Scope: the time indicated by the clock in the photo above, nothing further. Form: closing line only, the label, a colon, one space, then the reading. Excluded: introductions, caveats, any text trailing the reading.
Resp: 10:10
